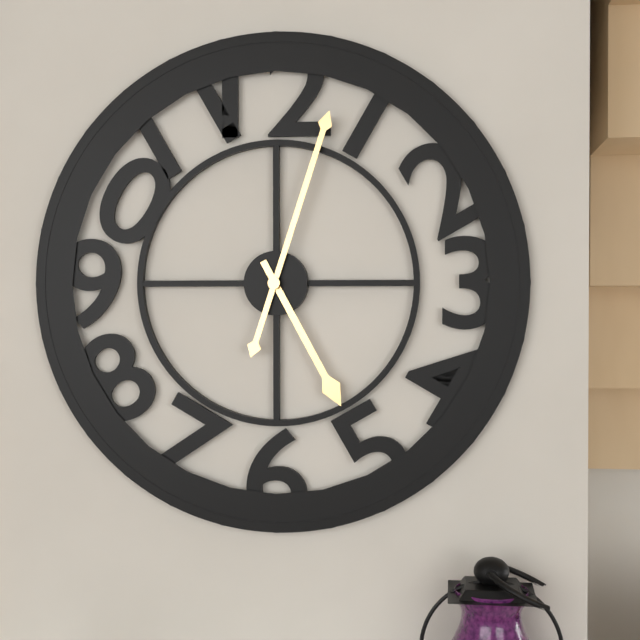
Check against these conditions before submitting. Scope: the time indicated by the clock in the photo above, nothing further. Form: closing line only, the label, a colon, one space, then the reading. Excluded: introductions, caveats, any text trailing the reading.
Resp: 5:03
